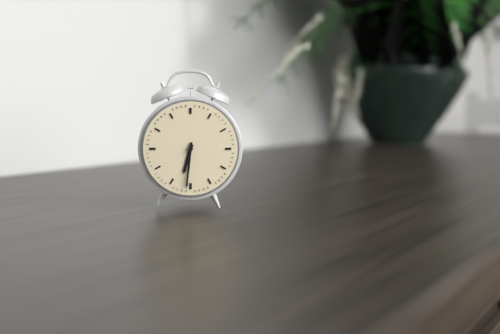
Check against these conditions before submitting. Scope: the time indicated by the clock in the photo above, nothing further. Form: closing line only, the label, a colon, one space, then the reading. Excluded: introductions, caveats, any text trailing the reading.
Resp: 6:31
